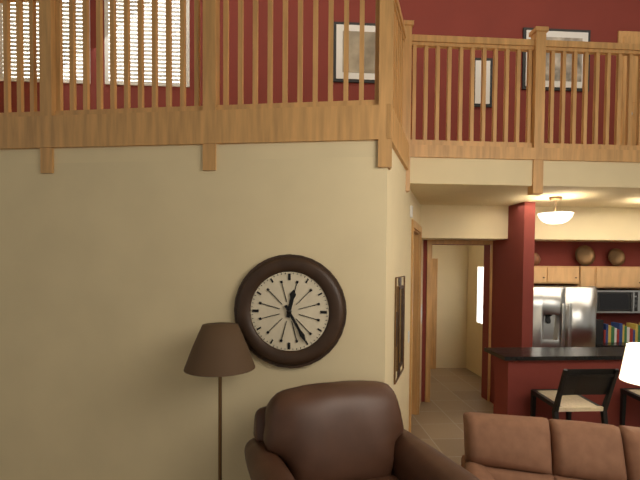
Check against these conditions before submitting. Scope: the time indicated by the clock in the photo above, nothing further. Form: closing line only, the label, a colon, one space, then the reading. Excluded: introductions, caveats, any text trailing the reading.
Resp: 12:25
